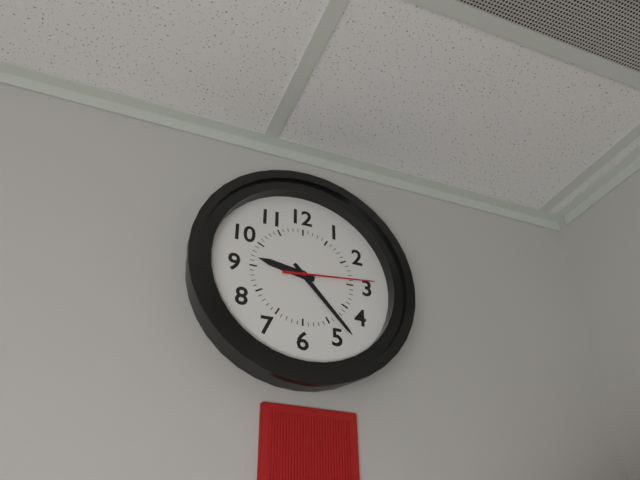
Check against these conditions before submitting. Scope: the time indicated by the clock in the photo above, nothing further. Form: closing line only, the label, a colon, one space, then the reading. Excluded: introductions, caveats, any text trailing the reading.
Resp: 9:23:14
